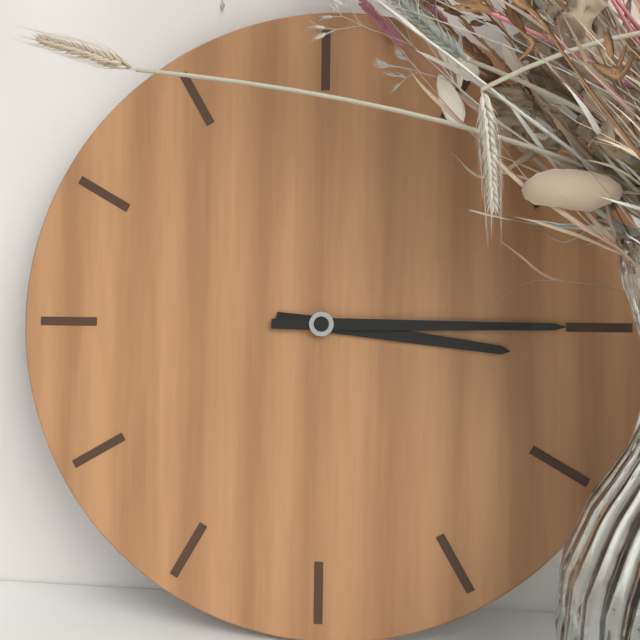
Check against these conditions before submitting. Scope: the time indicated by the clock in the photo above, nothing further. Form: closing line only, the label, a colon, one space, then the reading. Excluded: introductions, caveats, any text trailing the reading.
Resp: 3:15
